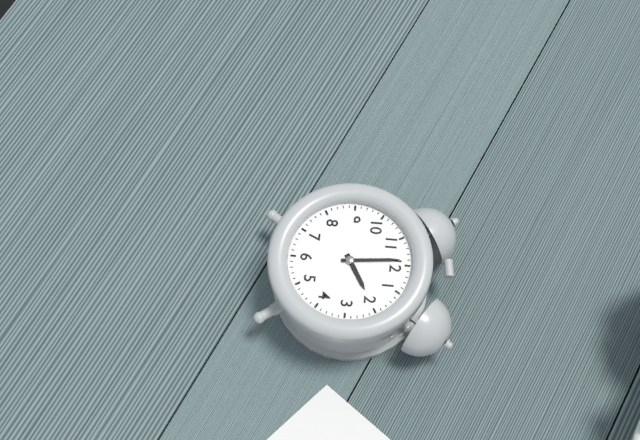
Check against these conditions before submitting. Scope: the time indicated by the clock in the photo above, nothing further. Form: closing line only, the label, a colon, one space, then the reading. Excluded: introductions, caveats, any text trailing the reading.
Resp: 1:59
